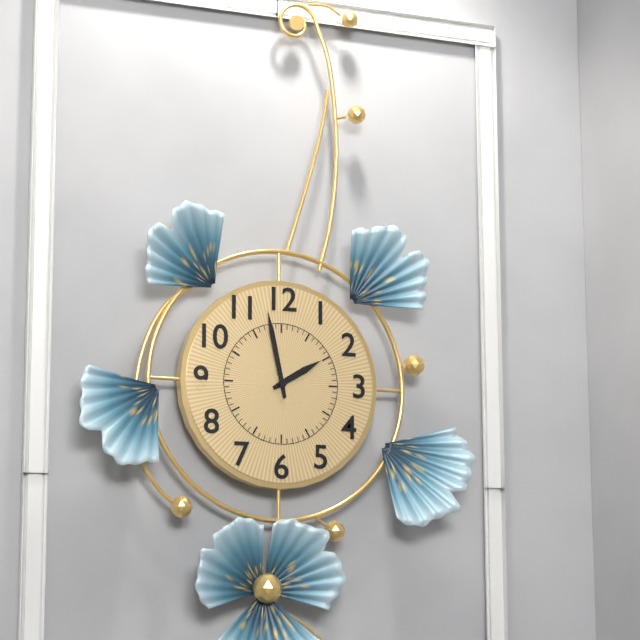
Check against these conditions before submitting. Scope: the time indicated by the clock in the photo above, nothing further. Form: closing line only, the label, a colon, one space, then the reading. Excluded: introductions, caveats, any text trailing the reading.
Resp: 1:58
